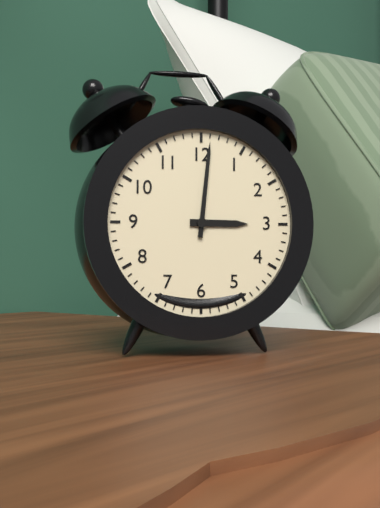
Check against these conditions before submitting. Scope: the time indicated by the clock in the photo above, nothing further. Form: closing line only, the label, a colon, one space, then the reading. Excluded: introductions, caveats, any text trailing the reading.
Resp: 3:01
